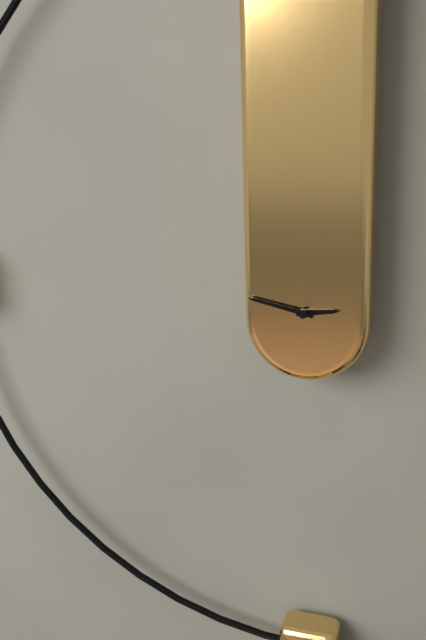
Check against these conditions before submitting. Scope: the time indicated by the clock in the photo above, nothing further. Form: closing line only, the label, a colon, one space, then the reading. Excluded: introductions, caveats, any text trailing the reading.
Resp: 2:47
